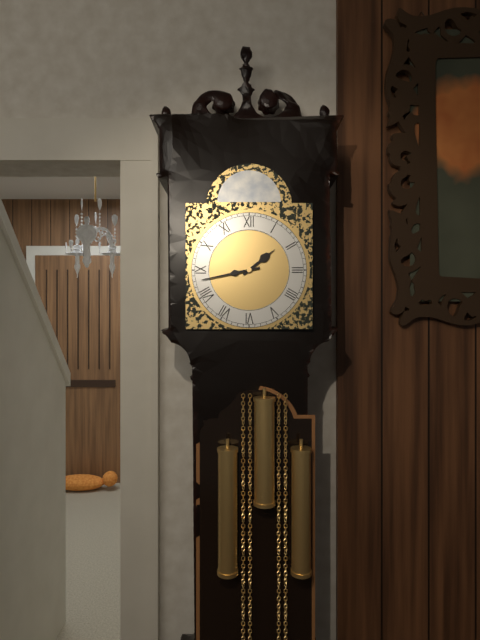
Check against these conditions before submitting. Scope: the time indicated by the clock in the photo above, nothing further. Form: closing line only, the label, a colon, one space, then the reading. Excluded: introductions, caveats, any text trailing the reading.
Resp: 1:43
